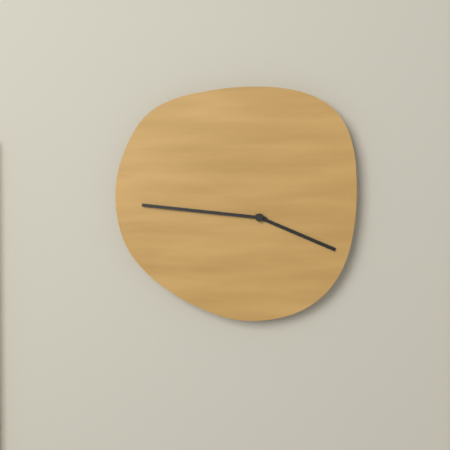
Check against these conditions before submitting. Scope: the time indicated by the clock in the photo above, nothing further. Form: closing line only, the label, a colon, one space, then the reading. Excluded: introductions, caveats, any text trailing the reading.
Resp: 3:46
